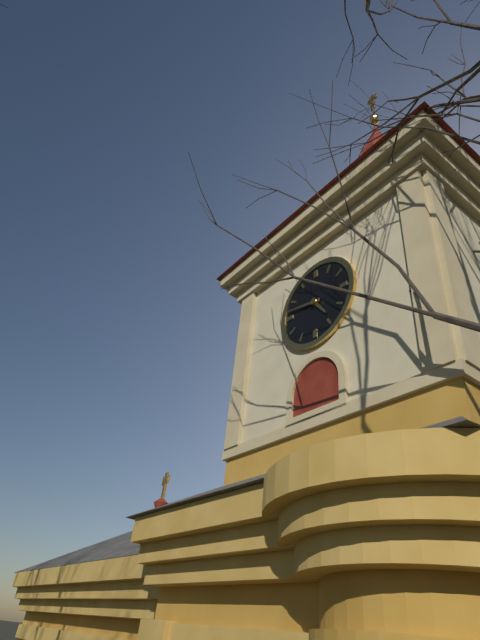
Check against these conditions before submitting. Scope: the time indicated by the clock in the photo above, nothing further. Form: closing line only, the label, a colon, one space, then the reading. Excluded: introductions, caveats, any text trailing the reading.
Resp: 4:47
